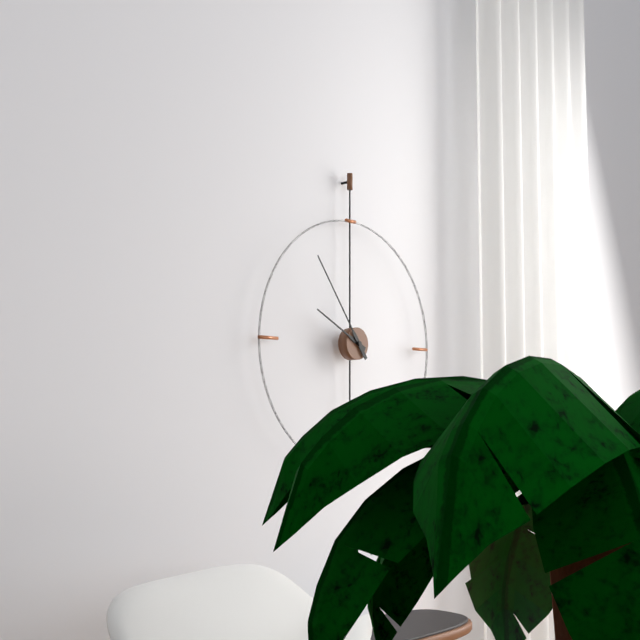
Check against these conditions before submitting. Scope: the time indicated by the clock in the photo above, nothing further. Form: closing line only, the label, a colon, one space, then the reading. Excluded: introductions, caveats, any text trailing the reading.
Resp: 9:54
